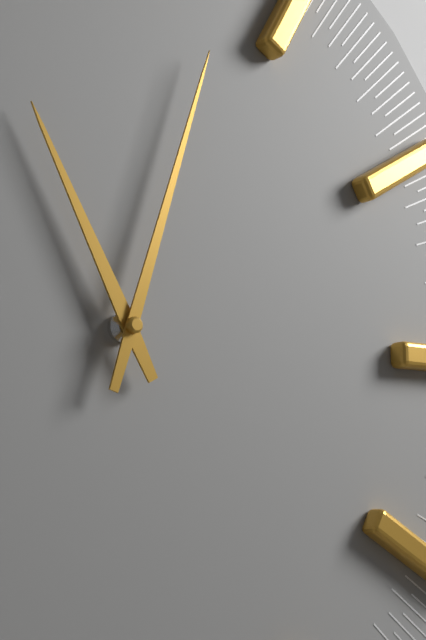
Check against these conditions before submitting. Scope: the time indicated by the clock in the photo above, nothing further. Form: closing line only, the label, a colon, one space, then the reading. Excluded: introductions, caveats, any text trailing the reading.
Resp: 11:03
